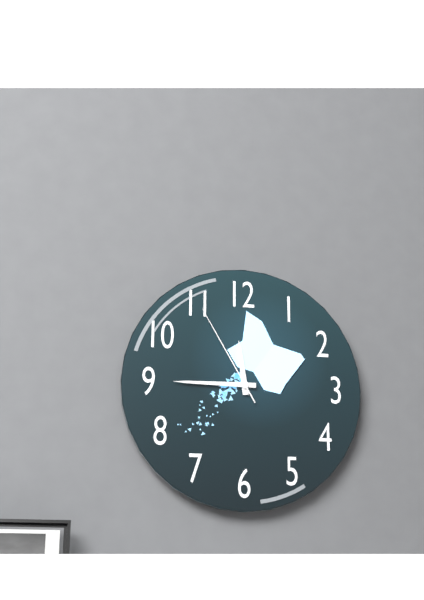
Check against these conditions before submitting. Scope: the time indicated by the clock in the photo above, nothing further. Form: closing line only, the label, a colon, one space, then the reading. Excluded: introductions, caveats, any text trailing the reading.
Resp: 11:45:55
